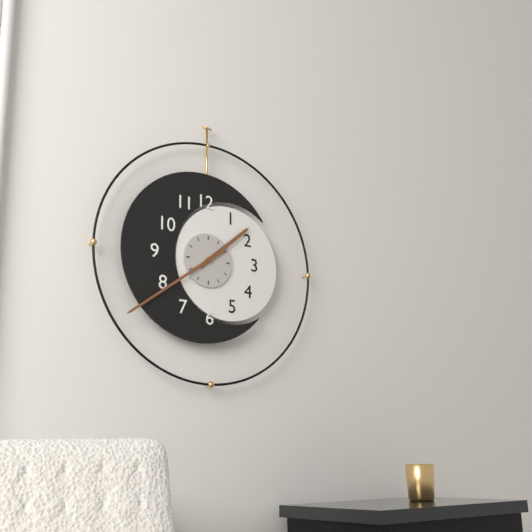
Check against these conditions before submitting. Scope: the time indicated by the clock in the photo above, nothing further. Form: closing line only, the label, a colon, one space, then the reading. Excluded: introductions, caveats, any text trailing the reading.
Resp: 1:39
